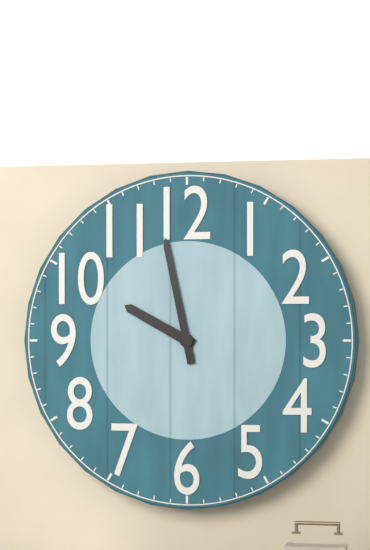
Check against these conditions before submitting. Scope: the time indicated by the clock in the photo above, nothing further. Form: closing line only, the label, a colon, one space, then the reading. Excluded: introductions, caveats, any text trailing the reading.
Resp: 9:58
